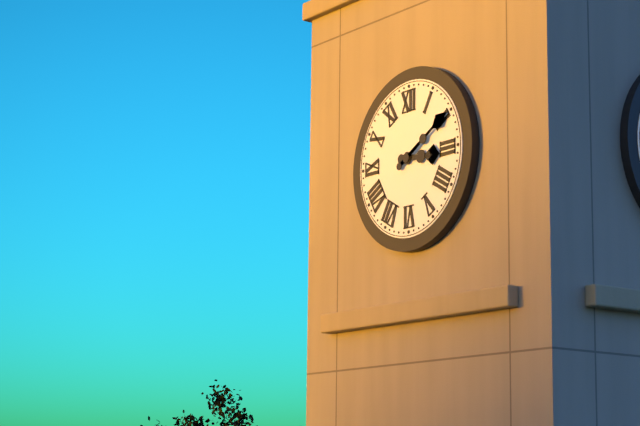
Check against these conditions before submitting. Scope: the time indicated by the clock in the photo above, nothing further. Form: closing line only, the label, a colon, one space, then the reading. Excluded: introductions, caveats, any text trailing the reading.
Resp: 3:10
